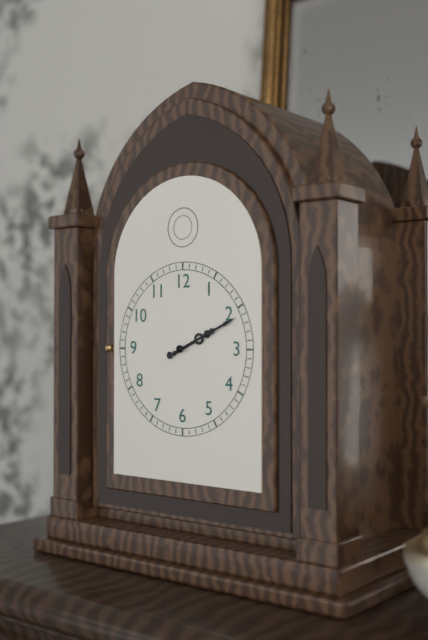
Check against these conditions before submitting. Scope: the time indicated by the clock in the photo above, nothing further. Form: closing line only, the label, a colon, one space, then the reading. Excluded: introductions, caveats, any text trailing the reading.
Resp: 2:11
